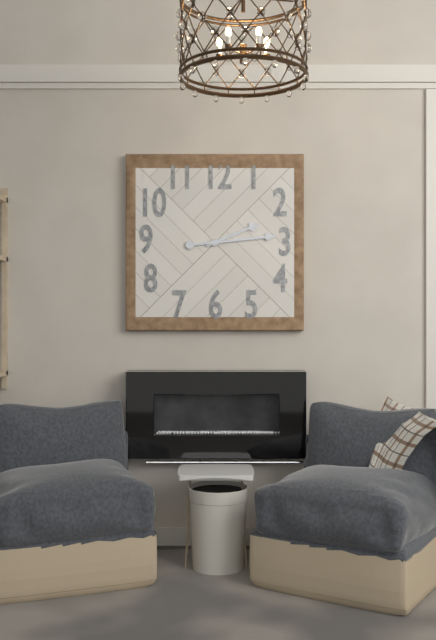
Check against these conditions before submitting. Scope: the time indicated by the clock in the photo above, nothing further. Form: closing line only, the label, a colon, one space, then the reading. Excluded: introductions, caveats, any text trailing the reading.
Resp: 2:14
